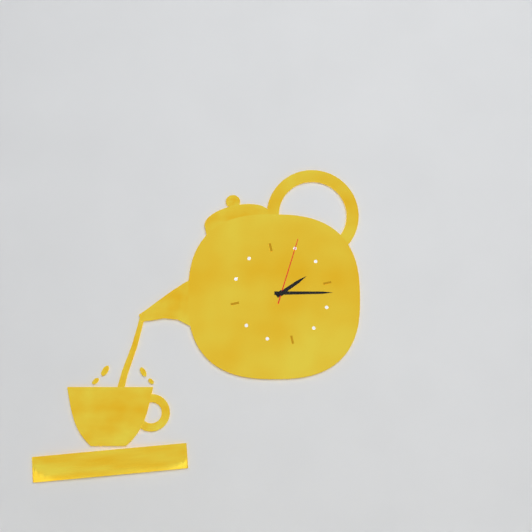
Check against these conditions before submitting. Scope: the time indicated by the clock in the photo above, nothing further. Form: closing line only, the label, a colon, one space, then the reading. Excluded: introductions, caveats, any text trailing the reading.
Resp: 2:17:05
